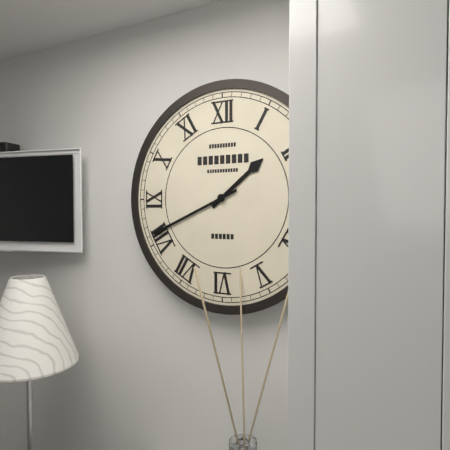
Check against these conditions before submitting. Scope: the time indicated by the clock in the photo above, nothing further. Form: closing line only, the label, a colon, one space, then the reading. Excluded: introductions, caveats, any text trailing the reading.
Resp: 1:41
